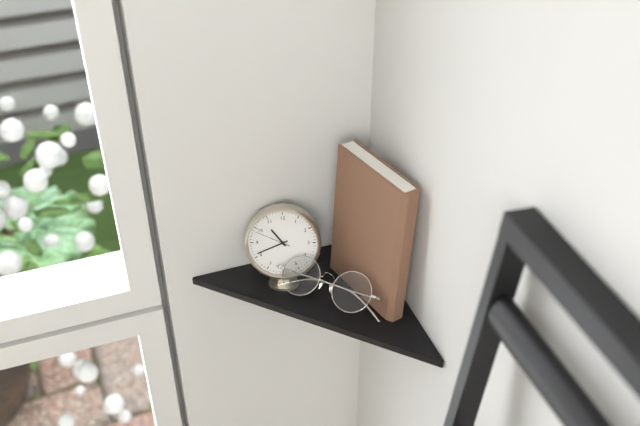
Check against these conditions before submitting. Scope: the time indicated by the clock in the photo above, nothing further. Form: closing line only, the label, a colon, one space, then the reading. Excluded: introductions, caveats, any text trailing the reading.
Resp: 10:41
